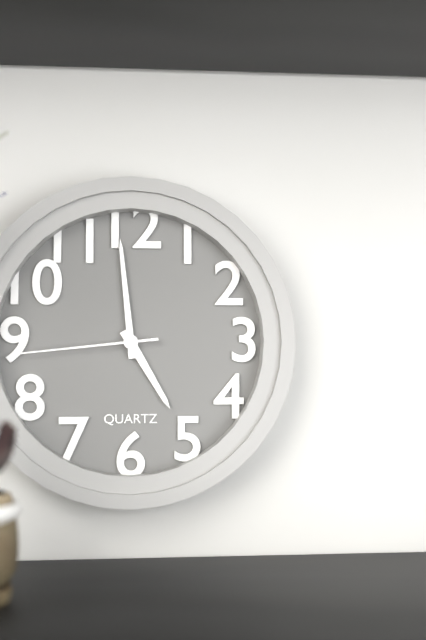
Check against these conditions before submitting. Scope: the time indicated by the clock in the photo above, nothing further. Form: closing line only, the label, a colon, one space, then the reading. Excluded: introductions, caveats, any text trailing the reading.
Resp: 4:59:44
